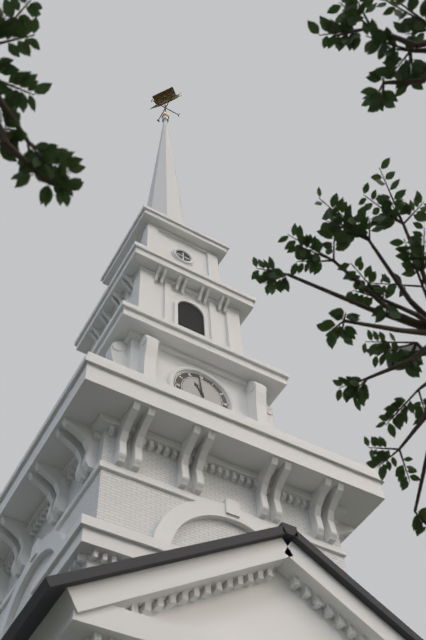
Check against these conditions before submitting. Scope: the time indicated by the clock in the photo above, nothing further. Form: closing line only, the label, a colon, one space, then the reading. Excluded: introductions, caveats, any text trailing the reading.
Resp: 10:59
